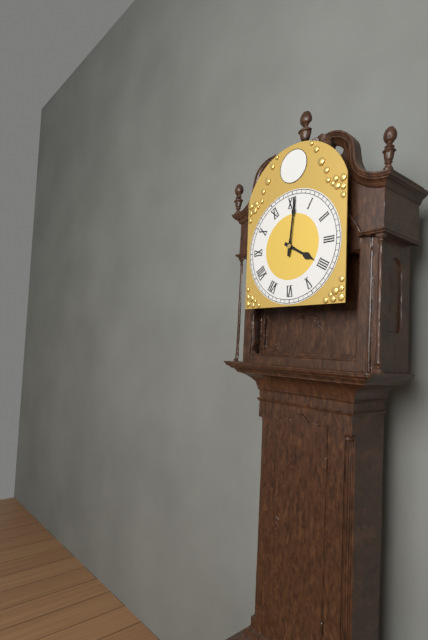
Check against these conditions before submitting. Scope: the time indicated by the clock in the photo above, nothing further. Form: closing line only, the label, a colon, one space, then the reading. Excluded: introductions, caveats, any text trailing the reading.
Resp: 4:01
